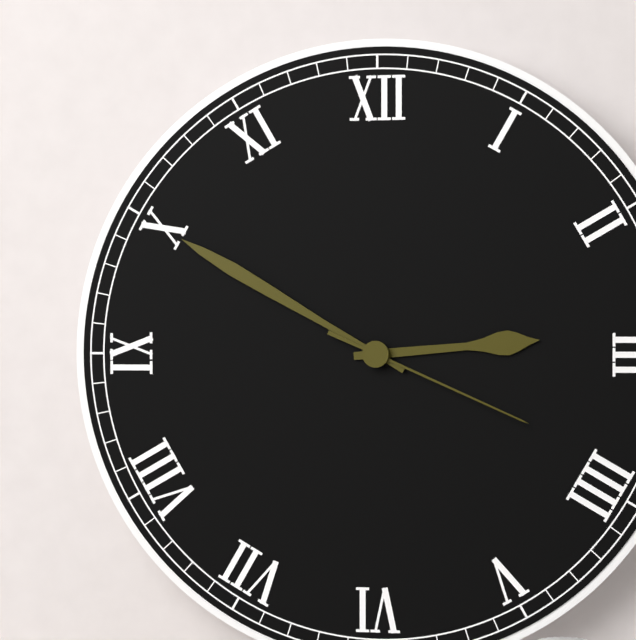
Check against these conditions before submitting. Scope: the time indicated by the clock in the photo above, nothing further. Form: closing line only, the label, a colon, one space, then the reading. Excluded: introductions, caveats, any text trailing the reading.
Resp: 2:50:19
